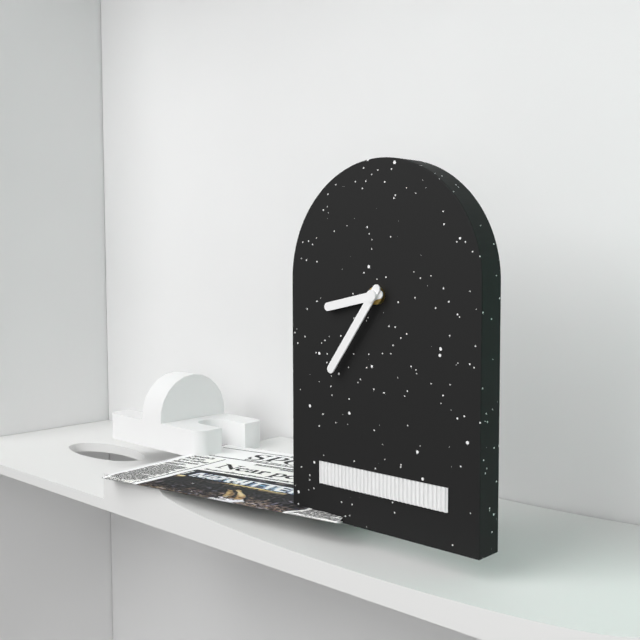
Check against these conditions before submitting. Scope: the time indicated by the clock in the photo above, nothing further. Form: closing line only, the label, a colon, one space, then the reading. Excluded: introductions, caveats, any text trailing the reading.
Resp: 8:36
